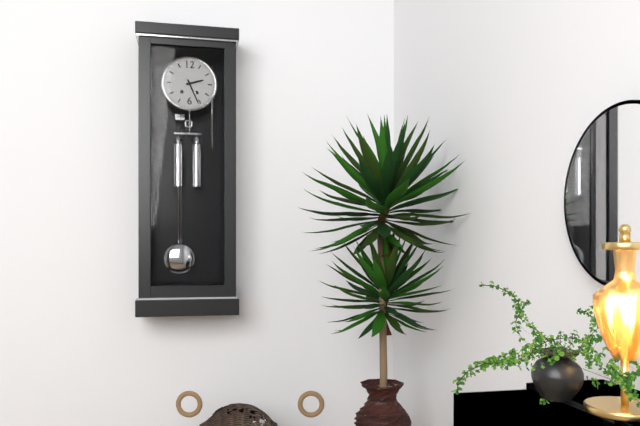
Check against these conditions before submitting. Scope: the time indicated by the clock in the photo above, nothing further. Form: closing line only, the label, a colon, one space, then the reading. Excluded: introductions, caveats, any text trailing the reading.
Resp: 2:26
